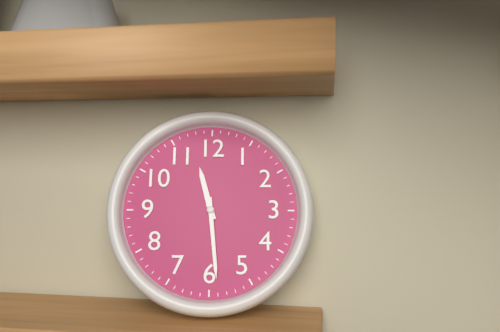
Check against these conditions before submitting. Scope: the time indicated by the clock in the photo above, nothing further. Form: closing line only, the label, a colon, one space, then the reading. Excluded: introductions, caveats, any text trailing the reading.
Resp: 11:29
